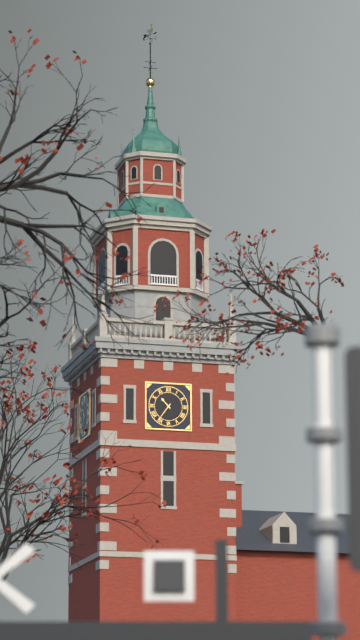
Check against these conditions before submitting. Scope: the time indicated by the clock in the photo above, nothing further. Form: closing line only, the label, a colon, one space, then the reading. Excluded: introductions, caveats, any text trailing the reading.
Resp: 10:36
